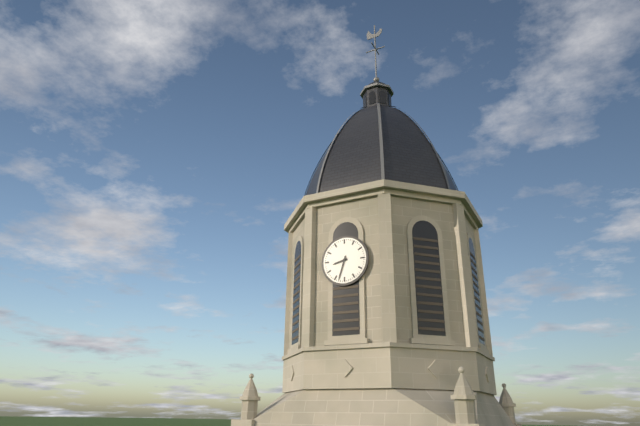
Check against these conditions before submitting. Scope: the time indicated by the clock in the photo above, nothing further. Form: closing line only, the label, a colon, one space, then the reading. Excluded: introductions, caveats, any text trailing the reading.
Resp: 8:33
